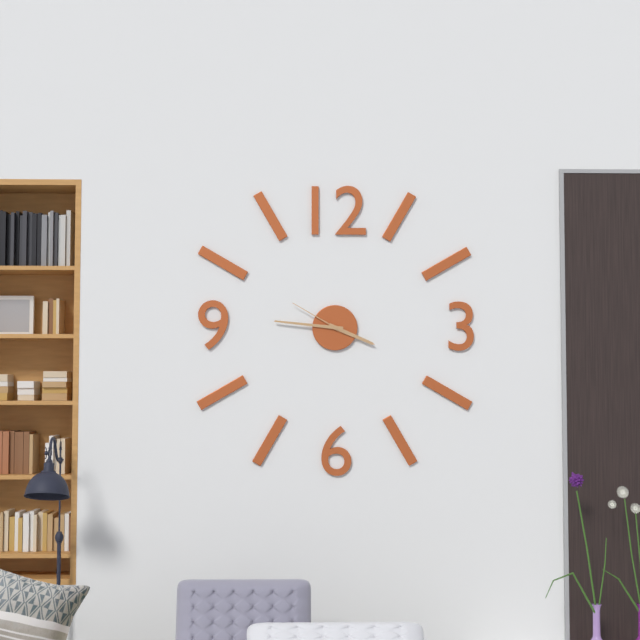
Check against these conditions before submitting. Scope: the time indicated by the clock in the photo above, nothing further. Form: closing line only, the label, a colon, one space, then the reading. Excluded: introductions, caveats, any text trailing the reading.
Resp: 3:46:50
